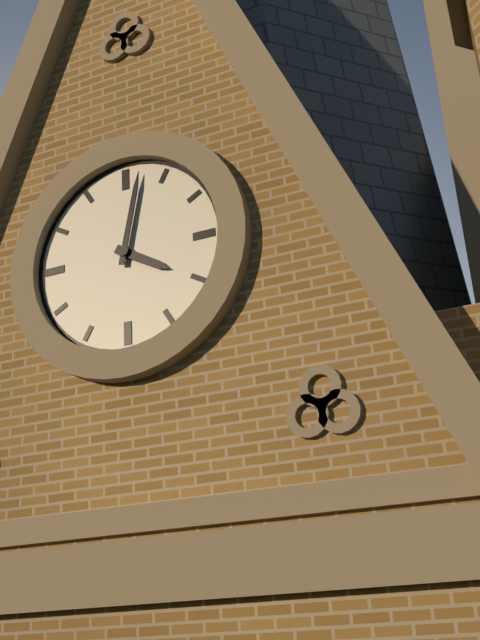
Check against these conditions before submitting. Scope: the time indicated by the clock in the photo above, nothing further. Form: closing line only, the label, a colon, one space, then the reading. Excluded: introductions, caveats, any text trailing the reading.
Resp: 4:02
